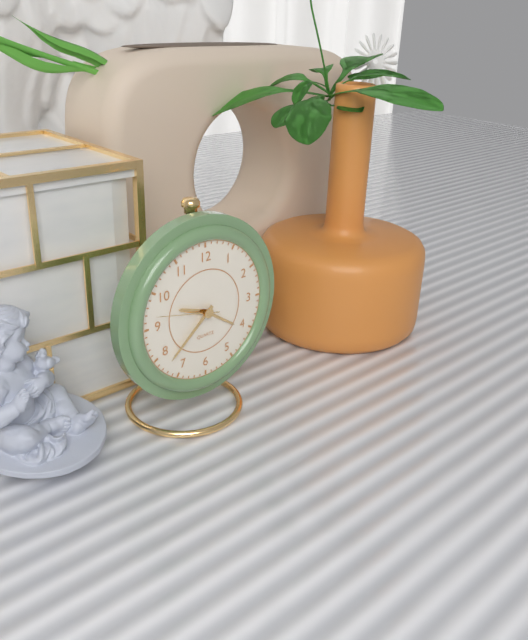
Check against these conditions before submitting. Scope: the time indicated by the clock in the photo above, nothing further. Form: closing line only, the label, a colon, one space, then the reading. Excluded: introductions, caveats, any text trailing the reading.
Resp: 9:38:47
